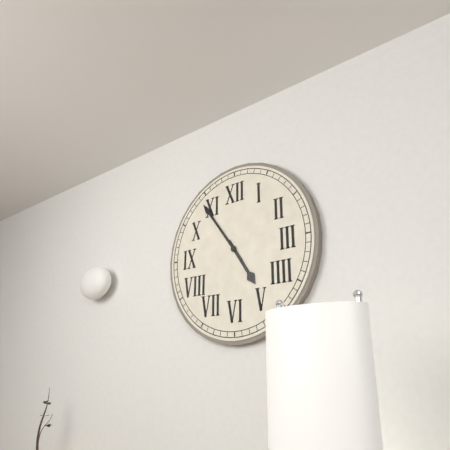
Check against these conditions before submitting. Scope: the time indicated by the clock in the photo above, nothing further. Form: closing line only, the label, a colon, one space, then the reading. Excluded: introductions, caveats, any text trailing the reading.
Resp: 4:54
